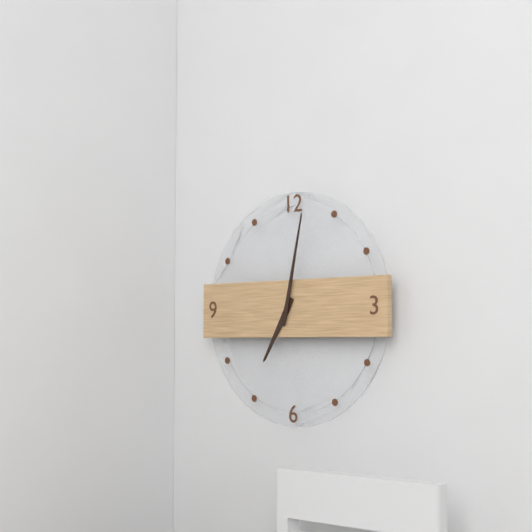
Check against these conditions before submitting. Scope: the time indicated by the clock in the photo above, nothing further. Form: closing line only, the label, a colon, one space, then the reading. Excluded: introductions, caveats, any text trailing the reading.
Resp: 7:02
